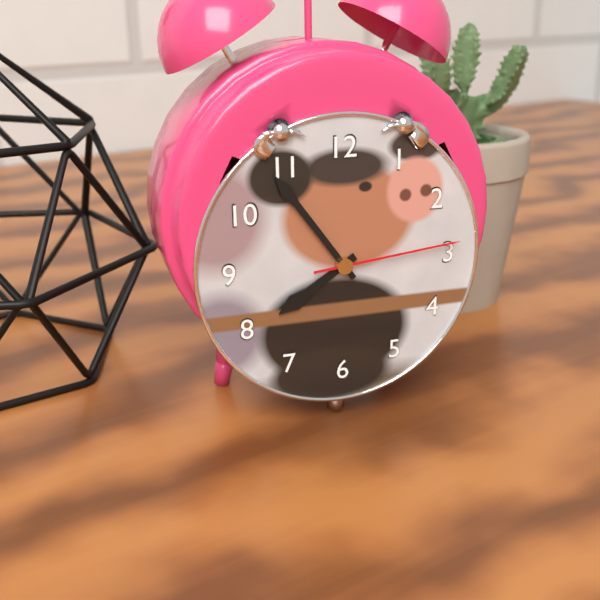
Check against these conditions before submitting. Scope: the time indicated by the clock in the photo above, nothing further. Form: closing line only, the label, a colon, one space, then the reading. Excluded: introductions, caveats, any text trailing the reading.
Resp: 7:54:14
